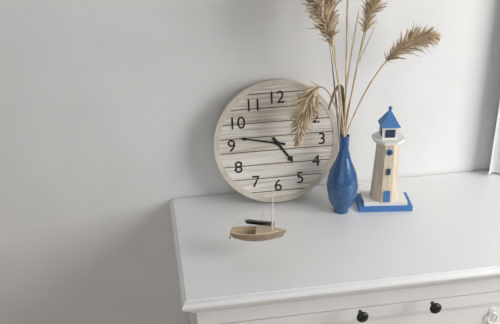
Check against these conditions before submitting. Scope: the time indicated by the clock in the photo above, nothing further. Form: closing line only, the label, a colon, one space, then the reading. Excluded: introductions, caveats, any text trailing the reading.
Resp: 4:47
